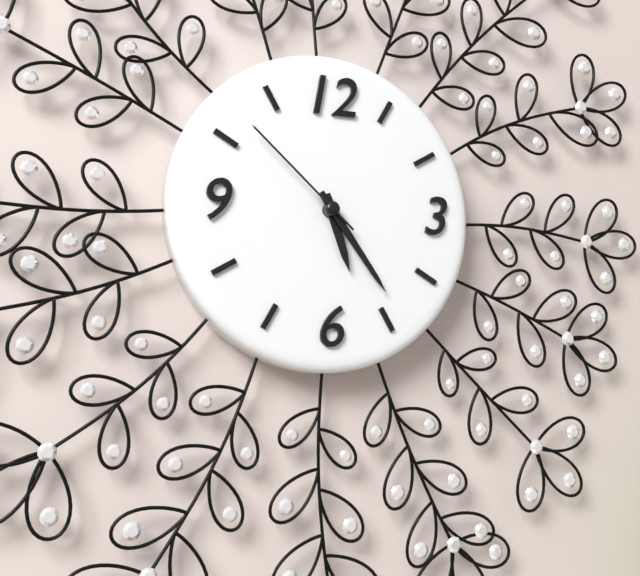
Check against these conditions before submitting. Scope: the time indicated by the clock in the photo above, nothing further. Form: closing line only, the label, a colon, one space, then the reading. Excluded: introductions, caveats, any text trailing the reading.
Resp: 5:24:52
